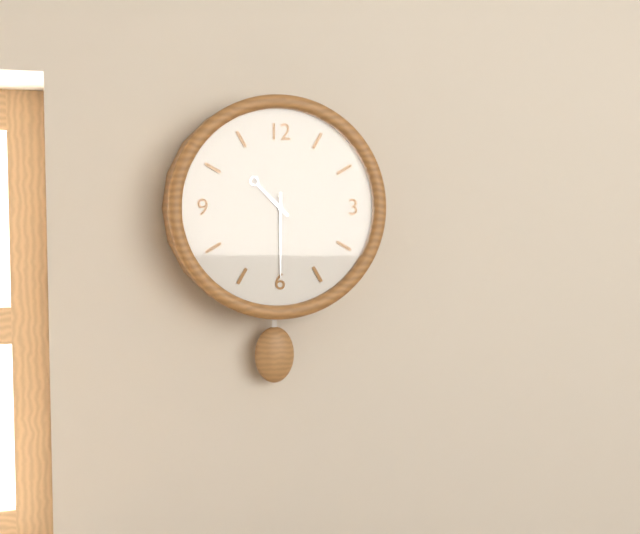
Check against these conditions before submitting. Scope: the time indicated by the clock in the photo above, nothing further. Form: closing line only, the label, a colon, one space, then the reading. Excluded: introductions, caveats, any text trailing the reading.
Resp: 10:30
